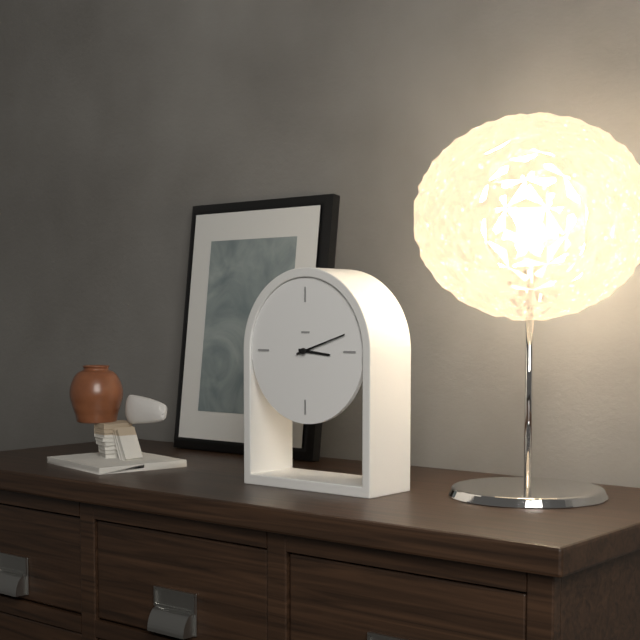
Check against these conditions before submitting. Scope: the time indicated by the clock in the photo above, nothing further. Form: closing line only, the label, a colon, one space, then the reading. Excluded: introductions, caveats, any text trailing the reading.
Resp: 3:12
